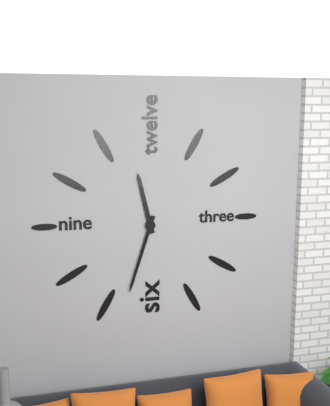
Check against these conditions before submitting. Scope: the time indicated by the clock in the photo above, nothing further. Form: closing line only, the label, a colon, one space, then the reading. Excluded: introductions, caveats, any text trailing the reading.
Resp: 11:33
